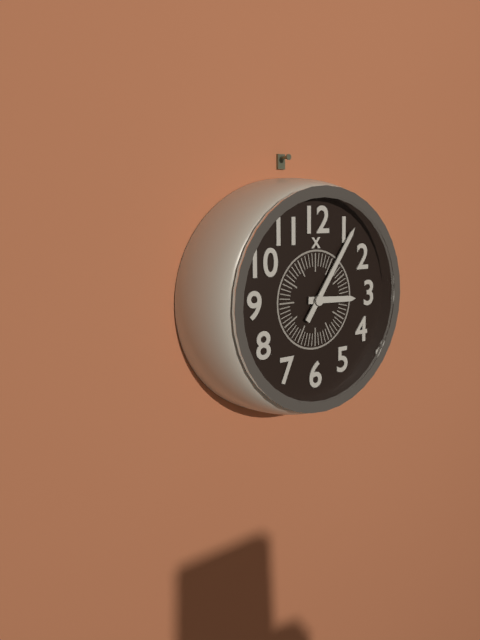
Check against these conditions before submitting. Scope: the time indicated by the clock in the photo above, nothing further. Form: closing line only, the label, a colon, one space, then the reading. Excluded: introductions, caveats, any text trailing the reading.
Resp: 3:06
